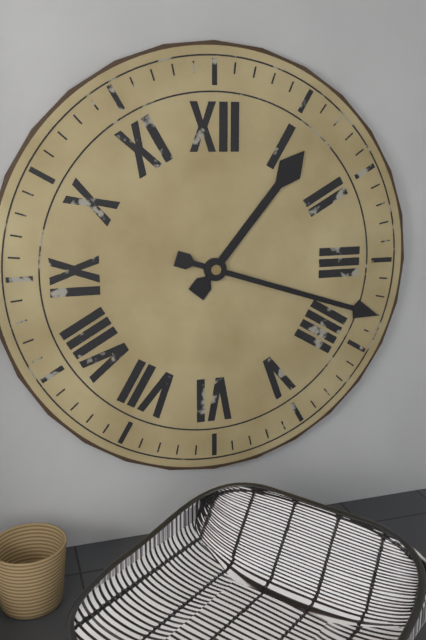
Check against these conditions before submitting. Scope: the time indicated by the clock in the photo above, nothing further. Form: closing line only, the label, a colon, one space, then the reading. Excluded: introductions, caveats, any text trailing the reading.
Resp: 1:18
